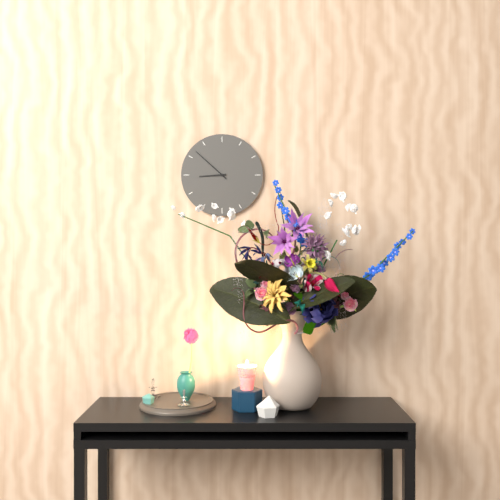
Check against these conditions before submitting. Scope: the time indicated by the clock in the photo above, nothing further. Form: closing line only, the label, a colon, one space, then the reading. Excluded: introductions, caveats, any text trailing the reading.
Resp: 8:52
